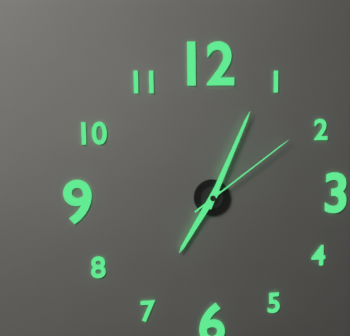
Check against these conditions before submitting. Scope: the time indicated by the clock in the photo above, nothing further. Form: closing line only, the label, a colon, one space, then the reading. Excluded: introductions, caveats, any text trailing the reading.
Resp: 7:04:09
